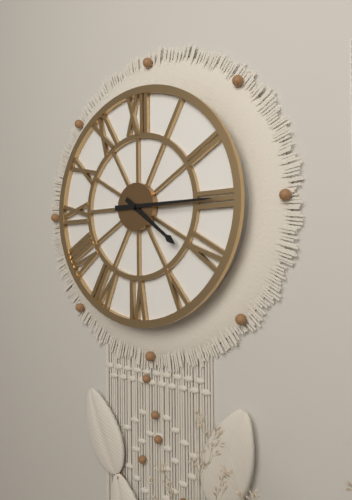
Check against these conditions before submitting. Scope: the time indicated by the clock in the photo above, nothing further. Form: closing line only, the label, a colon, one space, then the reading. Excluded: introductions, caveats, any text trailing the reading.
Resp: 4:15
